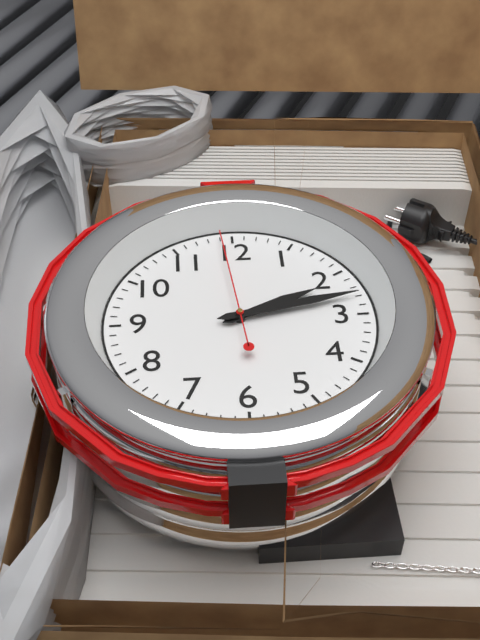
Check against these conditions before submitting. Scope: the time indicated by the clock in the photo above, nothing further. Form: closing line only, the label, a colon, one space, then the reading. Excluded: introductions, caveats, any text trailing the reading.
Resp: 2:13:59
